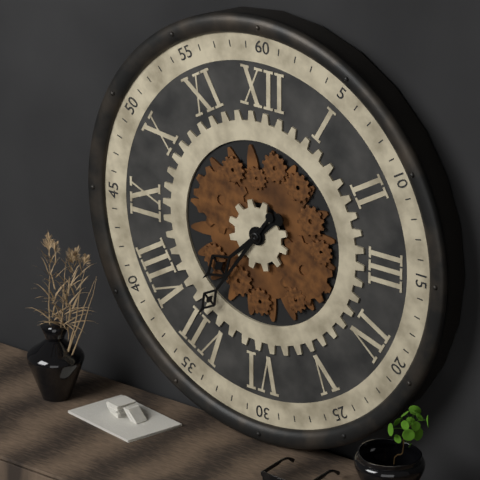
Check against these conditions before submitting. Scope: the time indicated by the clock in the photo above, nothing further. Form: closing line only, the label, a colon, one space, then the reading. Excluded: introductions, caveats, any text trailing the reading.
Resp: 7:36
